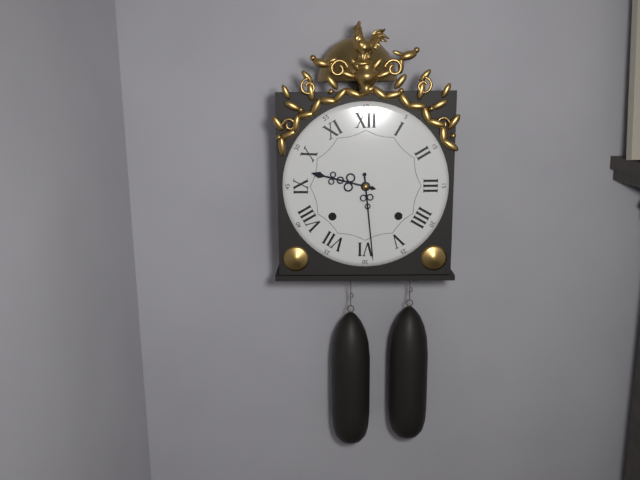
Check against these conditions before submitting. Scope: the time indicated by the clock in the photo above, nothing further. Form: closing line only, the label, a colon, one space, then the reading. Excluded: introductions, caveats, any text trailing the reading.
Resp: 9:29
